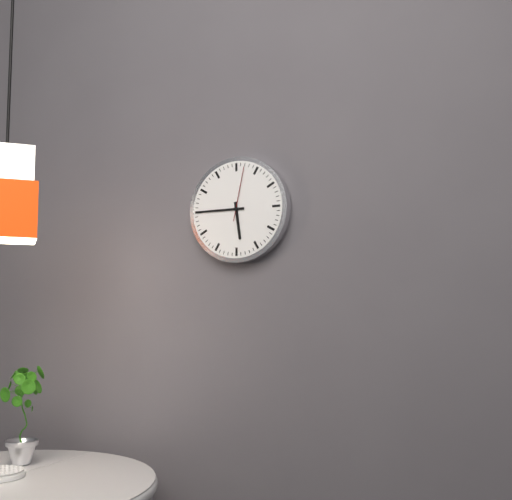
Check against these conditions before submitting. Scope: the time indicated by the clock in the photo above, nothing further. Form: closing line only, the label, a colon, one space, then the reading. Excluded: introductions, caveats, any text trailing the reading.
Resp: 5:45:02
